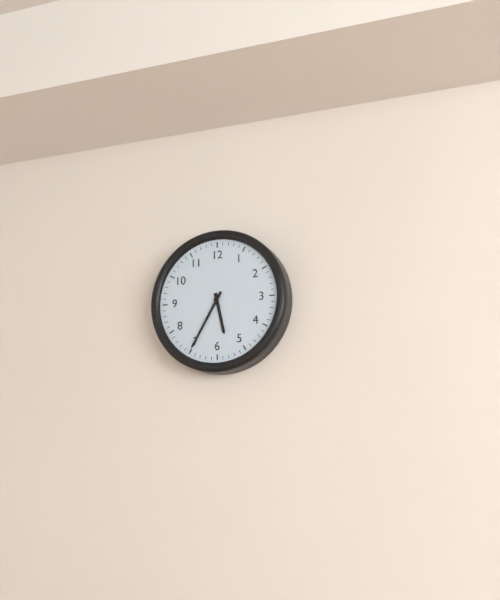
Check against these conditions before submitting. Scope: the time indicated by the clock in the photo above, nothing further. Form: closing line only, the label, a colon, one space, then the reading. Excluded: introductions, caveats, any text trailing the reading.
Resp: 5:35
